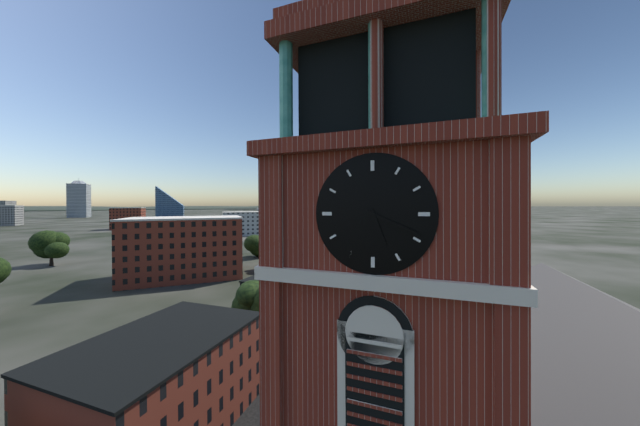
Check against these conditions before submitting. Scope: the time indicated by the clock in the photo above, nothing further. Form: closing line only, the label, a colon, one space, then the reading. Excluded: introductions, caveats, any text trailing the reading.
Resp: 5:19
